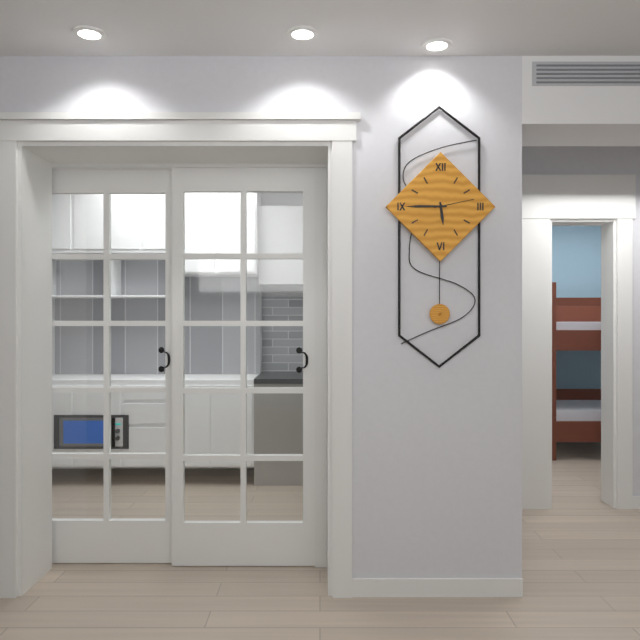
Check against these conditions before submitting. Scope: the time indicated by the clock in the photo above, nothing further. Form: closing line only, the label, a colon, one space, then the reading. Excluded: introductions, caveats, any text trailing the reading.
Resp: 5:45
